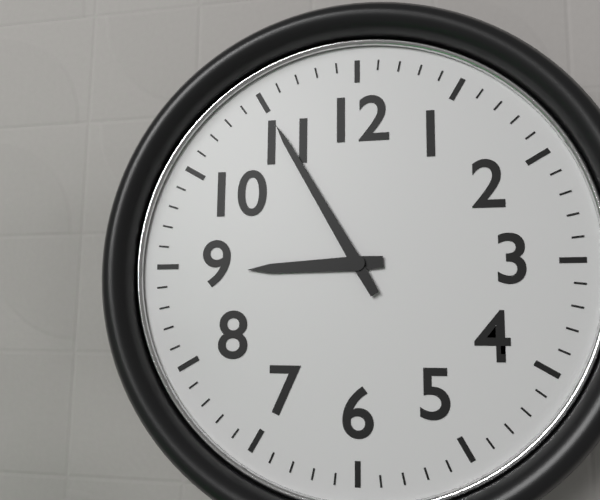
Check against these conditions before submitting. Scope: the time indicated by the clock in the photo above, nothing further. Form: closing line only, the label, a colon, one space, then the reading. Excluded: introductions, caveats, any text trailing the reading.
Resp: 8:55
